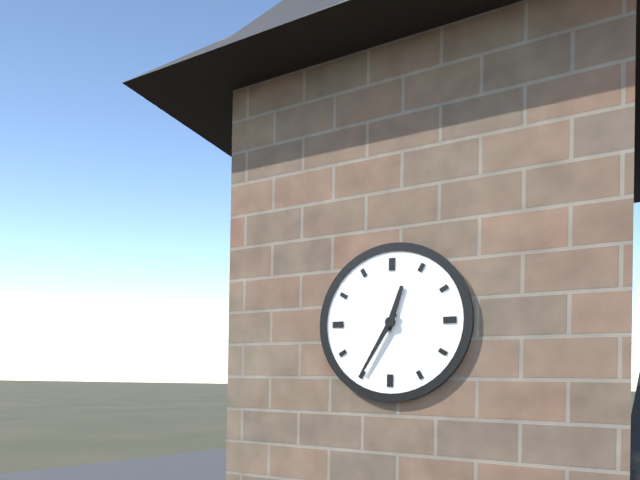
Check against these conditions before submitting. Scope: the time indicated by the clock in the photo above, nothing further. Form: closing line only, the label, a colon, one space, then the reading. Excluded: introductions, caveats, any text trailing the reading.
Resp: 12:35
